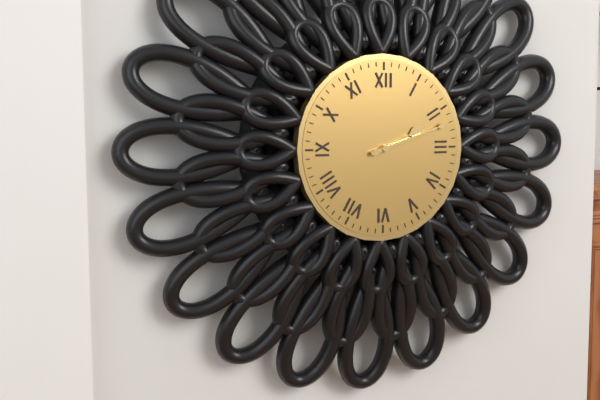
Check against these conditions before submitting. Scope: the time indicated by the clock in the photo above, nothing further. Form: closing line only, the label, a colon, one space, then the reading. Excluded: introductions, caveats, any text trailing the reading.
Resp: 2:12
